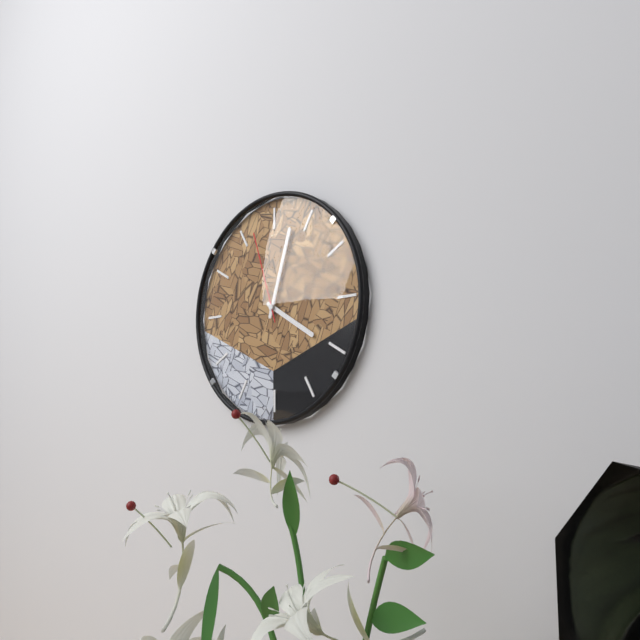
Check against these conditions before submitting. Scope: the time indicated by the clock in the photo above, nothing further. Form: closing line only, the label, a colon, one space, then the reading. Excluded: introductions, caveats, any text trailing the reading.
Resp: 4:03:57
